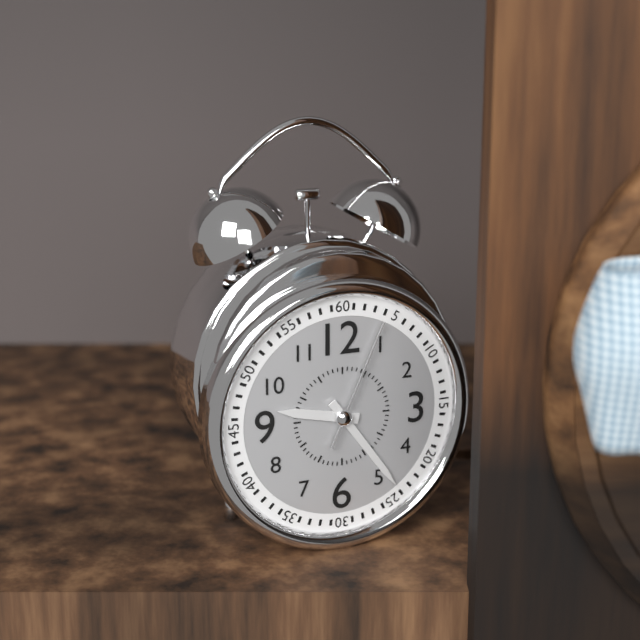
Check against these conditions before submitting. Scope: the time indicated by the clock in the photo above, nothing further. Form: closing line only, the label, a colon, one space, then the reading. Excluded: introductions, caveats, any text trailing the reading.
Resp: 9:24:04
